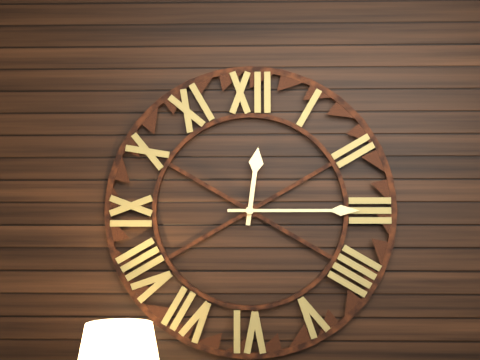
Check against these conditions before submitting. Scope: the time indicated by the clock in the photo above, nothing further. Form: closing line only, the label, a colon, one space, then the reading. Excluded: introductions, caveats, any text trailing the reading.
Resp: 12:15
